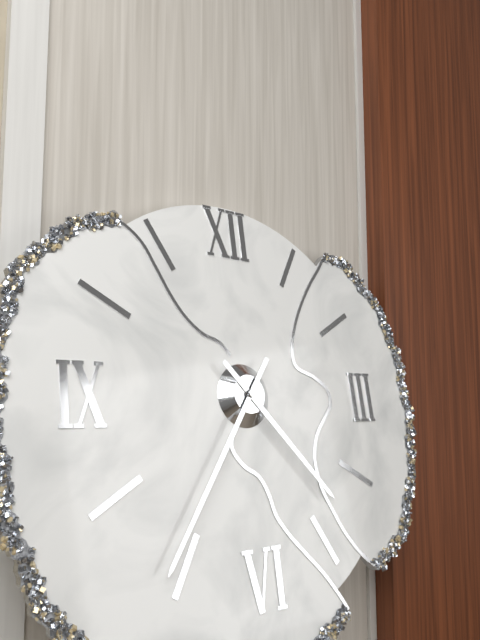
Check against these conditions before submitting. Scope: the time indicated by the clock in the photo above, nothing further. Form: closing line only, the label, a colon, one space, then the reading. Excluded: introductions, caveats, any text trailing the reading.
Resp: 4:36
